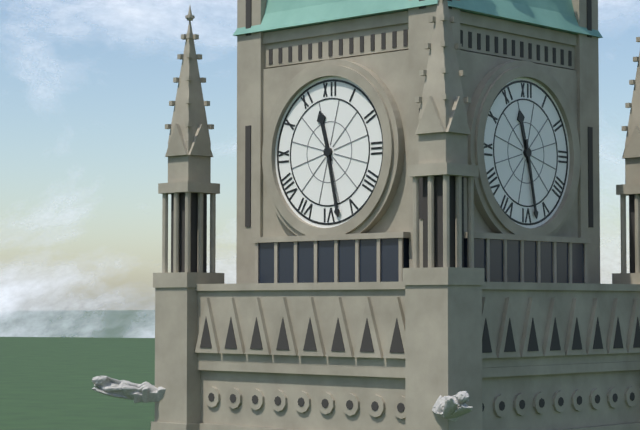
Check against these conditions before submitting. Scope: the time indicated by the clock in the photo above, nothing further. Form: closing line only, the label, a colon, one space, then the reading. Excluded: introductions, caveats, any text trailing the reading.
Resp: 11:28
